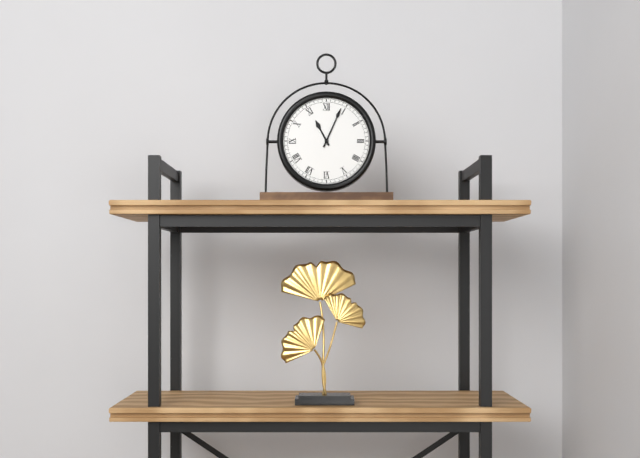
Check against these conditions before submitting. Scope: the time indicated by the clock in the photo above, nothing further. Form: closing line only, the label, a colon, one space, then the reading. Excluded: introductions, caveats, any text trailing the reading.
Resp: 11:04
